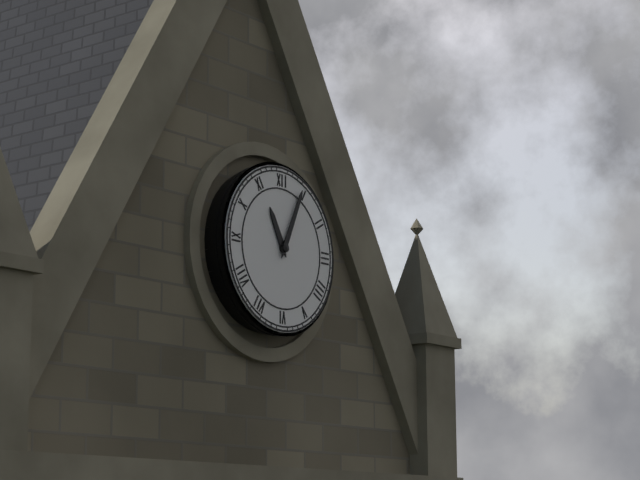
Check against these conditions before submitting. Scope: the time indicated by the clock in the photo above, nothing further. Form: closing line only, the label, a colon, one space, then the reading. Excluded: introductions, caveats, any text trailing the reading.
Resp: 11:04
